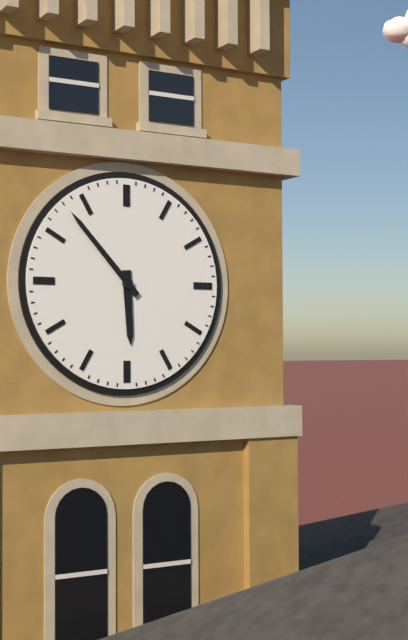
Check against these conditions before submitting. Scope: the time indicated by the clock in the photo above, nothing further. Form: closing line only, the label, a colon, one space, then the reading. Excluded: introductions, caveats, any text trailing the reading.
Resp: 5:53
